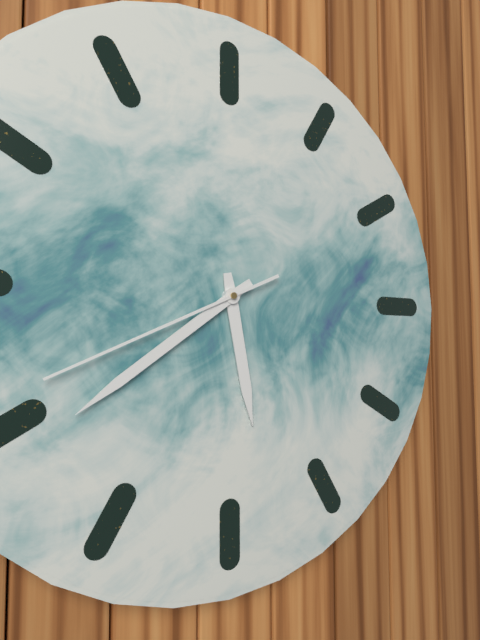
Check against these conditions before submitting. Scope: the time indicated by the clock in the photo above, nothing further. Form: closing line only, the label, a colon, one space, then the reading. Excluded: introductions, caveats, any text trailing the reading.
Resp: 5:39:41
